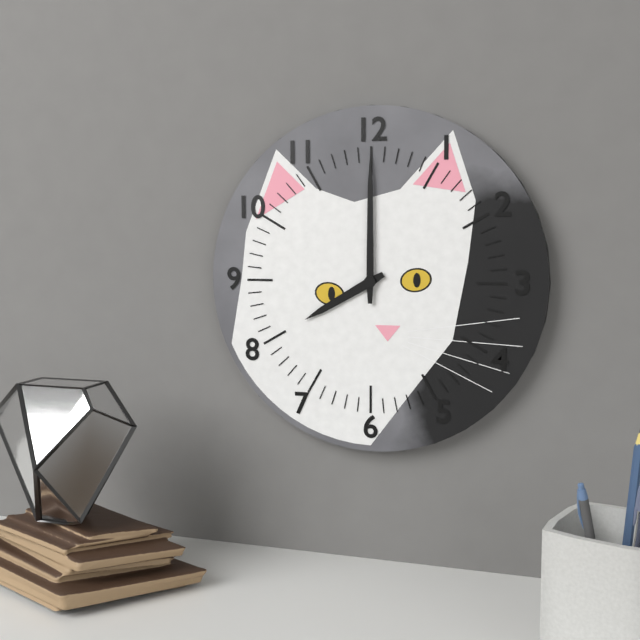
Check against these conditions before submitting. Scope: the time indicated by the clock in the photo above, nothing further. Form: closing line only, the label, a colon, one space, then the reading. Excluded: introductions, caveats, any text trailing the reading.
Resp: 8:00
